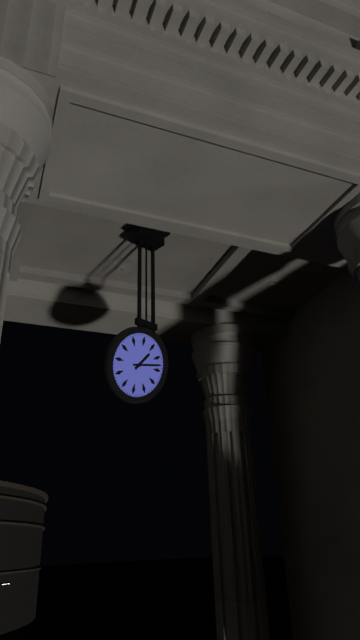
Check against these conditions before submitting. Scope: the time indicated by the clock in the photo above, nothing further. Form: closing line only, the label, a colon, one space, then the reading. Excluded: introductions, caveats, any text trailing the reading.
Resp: 1:13
